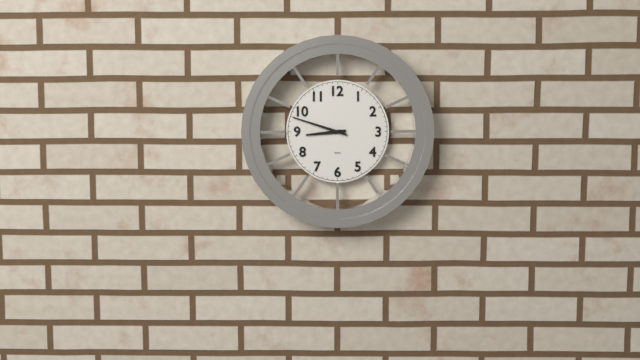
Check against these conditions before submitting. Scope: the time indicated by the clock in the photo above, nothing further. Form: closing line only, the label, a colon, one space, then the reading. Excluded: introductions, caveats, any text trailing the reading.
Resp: 8:48
